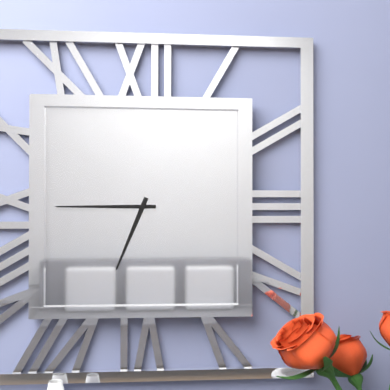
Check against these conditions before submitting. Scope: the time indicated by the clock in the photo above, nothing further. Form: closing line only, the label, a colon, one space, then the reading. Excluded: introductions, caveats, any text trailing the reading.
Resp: 6:45
